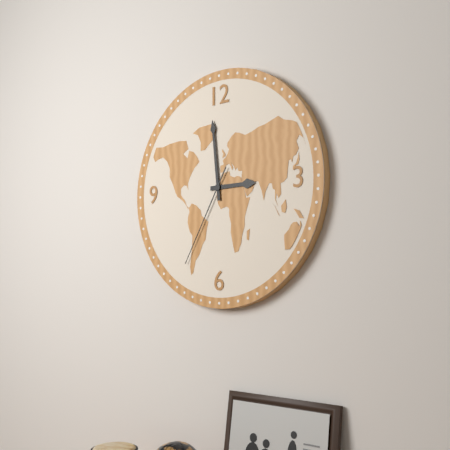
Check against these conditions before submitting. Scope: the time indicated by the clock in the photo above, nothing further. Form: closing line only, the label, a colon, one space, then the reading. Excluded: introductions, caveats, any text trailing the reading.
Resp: 2:59:35
